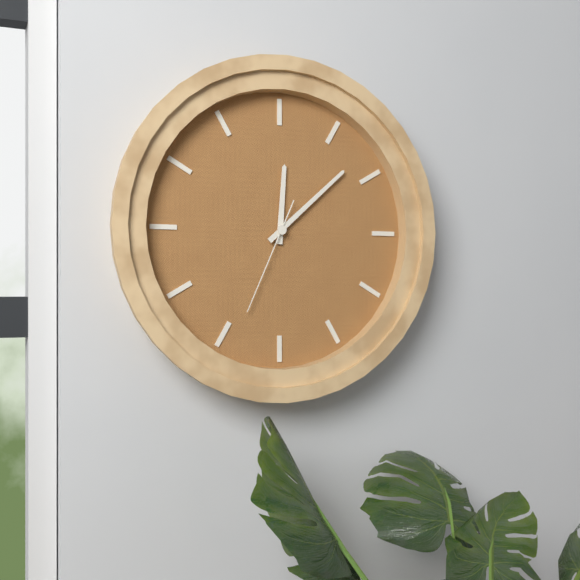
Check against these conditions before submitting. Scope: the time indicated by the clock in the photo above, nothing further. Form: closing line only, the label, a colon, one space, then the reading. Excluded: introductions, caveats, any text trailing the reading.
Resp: 12:08:34
